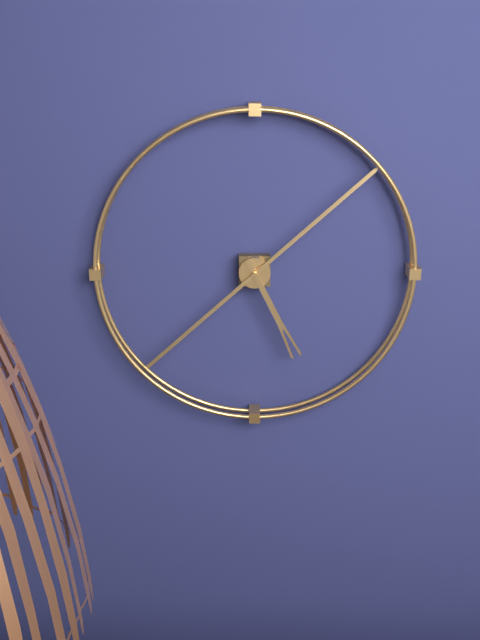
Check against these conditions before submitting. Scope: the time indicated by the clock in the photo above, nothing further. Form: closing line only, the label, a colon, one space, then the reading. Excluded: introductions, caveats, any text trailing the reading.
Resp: 5:08
